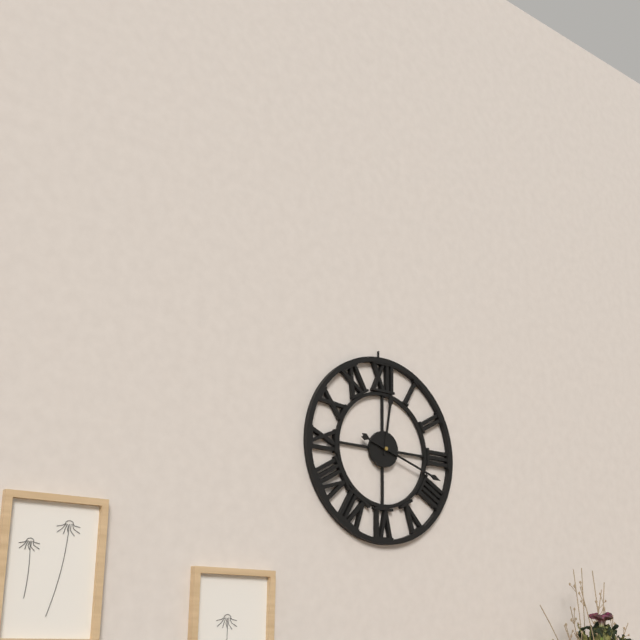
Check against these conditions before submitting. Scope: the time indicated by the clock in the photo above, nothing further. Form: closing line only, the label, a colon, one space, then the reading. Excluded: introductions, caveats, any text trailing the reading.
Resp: 12:18
